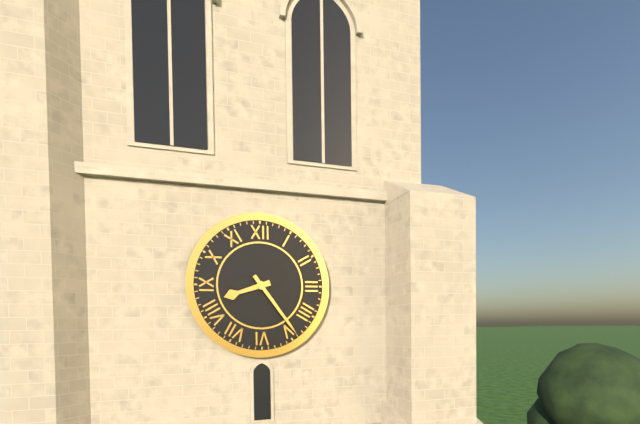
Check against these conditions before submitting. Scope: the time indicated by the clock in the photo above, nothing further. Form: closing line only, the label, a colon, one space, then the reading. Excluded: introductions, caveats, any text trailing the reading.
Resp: 8:24
